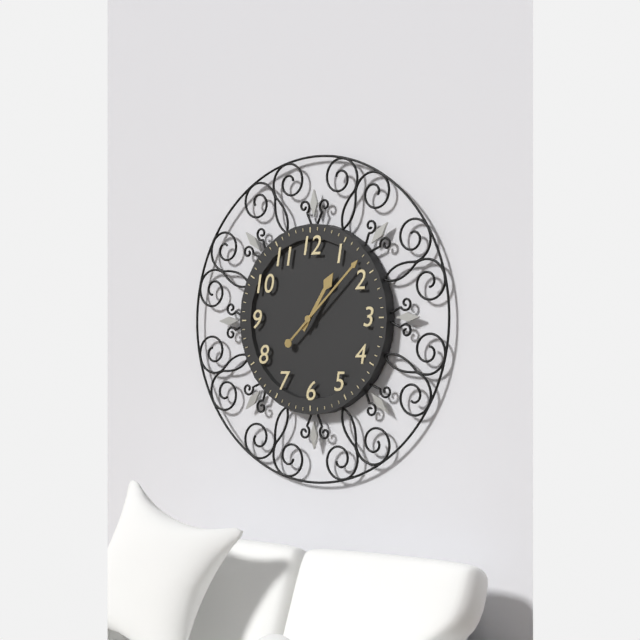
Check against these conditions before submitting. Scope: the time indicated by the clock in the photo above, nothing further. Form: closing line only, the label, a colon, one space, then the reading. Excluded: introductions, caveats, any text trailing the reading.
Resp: 1:08
